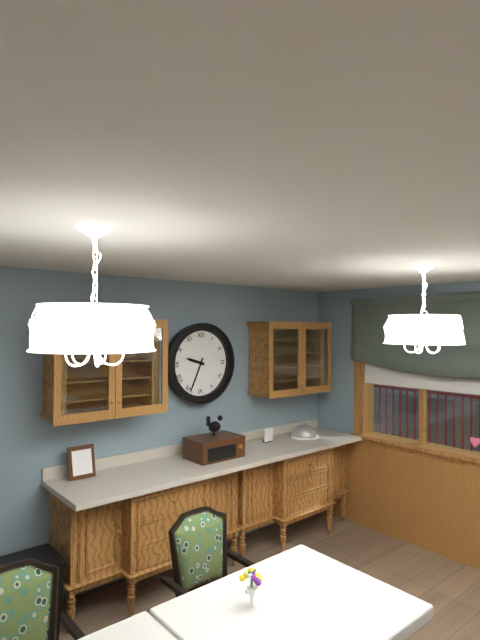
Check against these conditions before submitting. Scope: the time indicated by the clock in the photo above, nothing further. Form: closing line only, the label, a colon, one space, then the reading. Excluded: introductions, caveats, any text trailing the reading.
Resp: 9:34
